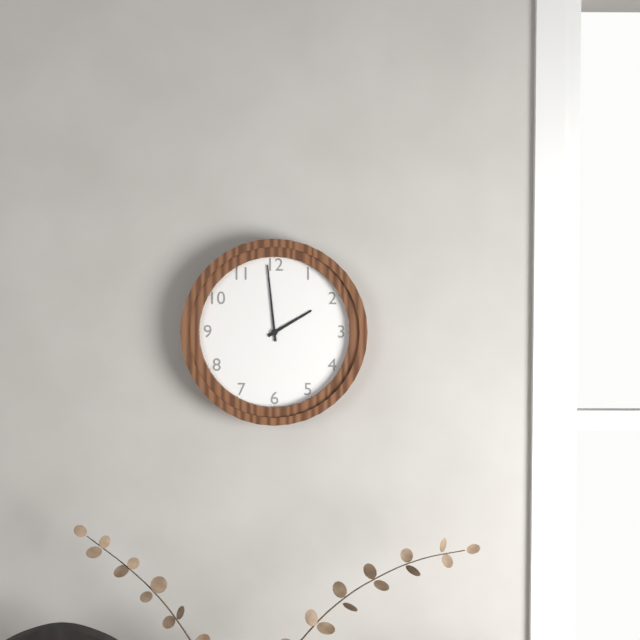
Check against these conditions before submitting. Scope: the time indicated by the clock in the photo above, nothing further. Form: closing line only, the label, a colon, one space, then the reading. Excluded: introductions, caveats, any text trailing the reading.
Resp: 1:59
